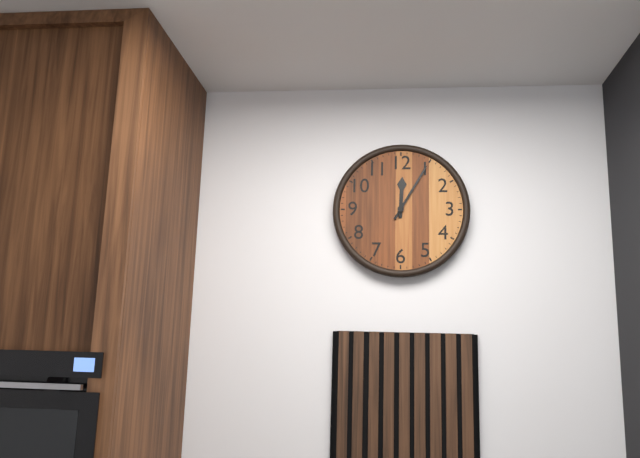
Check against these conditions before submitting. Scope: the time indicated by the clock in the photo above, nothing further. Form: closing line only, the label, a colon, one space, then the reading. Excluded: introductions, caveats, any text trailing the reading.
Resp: 12:05
